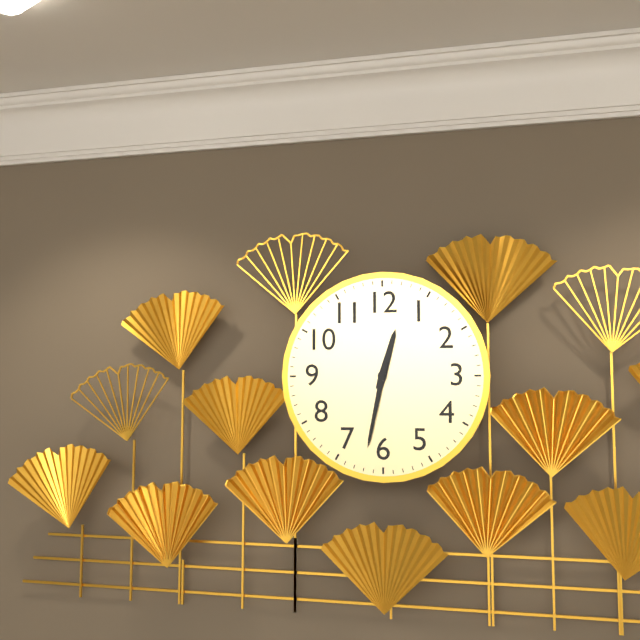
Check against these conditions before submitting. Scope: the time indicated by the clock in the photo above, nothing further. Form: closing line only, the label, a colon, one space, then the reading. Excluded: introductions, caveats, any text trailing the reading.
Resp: 12:32
